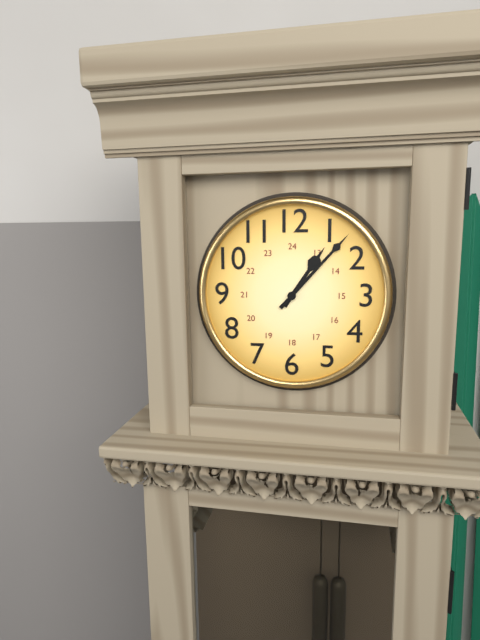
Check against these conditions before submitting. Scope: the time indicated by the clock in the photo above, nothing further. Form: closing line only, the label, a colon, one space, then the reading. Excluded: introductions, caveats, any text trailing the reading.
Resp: 1:07
